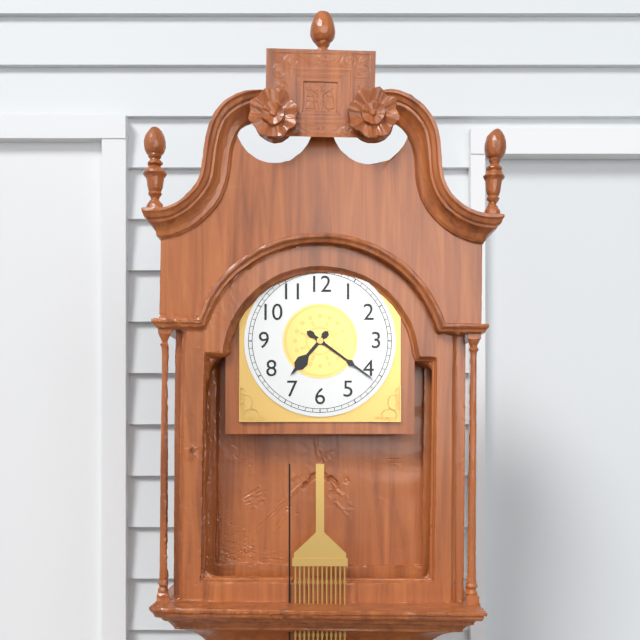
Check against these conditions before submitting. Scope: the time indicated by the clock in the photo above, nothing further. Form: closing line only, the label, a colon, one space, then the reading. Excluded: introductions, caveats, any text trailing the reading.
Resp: 7:21
